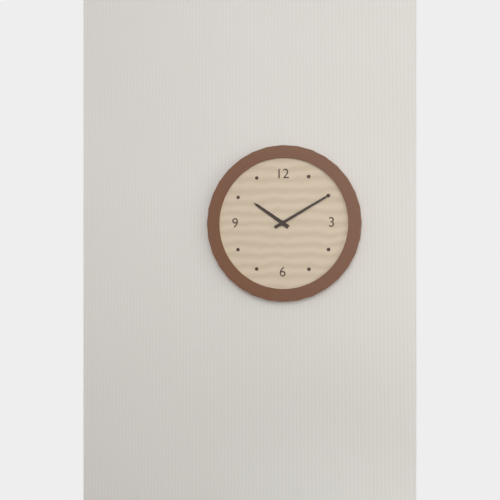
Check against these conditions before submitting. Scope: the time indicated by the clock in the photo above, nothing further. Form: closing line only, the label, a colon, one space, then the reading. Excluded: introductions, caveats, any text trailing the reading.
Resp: 10:10
